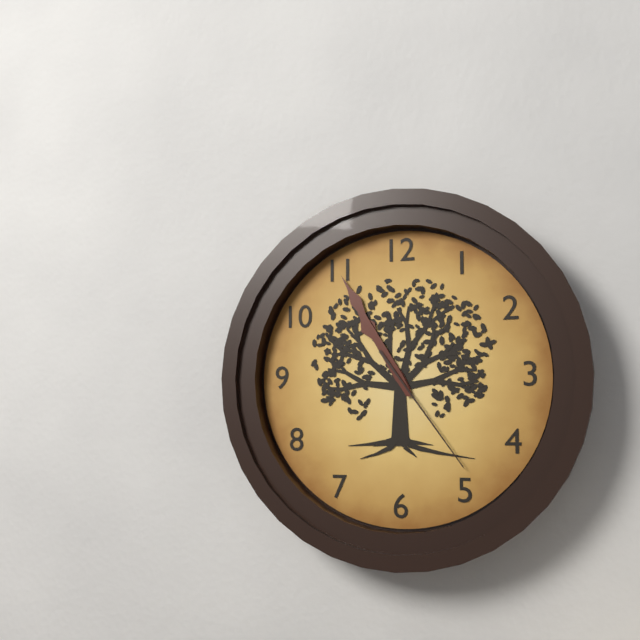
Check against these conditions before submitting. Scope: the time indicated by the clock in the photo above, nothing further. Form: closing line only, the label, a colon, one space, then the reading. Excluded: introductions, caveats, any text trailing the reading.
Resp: 10:55:24
